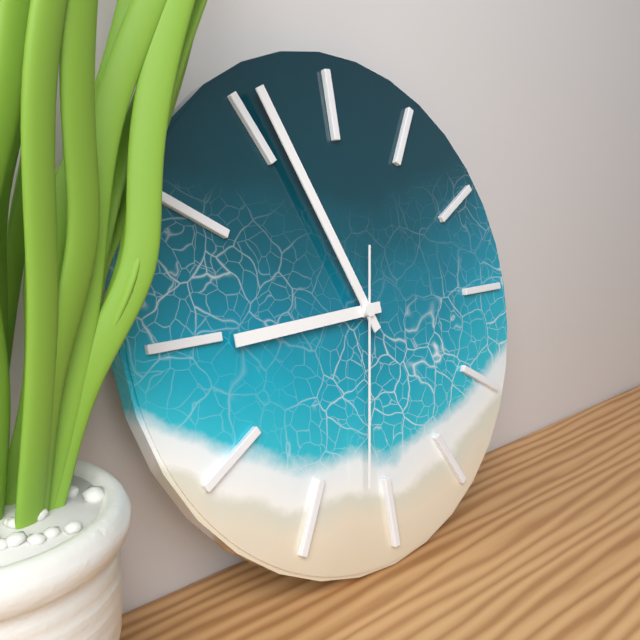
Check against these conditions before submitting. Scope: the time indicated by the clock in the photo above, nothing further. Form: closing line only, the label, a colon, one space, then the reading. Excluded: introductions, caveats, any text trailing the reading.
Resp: 8:56:32
